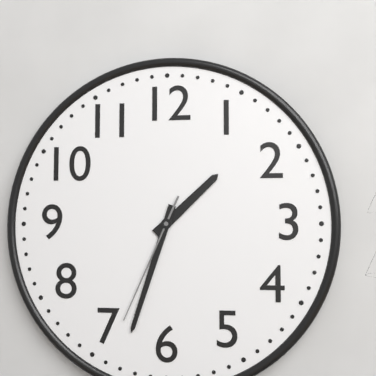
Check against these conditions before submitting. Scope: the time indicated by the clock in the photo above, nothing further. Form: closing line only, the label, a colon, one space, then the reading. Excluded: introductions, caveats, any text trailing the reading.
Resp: 1:33:34
